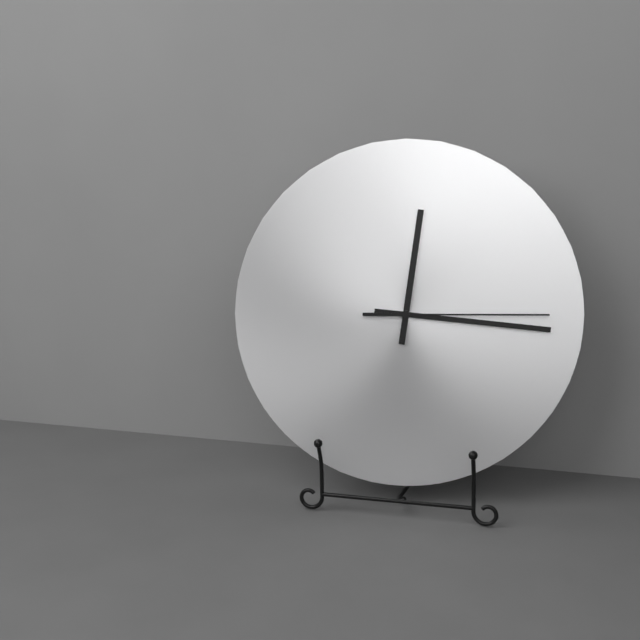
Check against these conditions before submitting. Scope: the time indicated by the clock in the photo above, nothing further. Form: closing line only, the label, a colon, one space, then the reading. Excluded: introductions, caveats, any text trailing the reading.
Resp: 12:16:15
